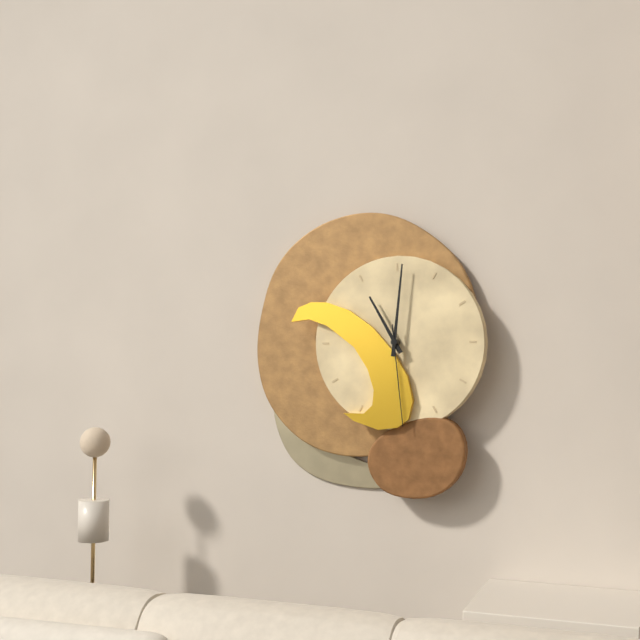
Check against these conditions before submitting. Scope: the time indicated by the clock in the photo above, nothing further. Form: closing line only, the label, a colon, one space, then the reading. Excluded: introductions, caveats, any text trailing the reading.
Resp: 11:01:29
